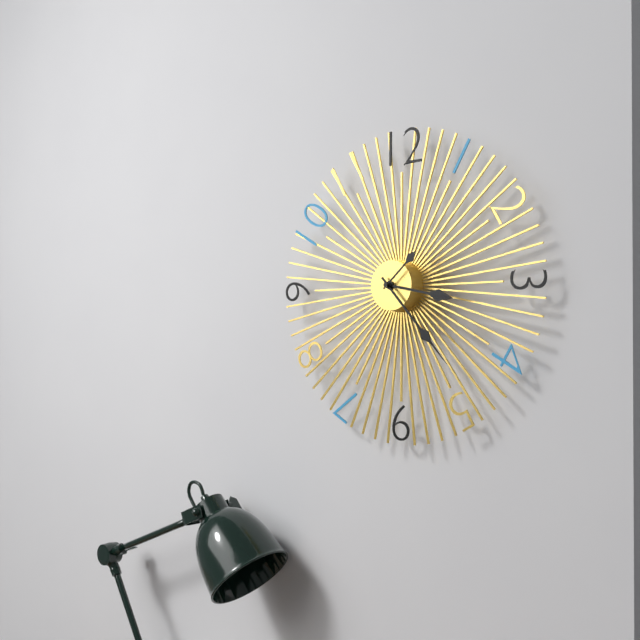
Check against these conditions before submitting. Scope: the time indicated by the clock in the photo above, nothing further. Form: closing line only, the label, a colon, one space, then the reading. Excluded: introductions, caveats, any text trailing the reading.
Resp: 3:23
